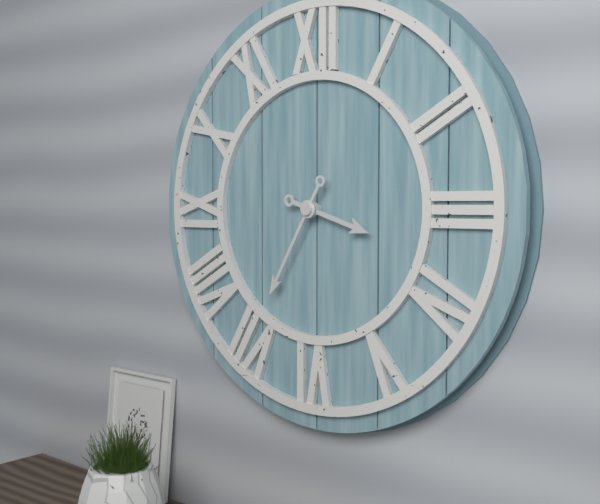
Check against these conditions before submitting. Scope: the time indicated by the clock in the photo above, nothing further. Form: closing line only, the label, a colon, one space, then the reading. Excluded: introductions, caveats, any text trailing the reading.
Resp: 3:35
